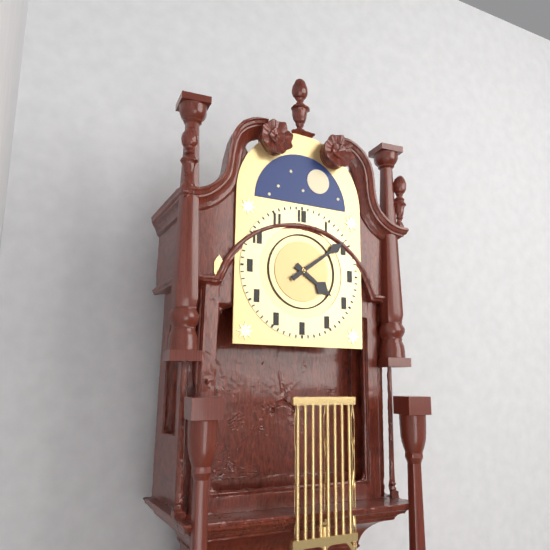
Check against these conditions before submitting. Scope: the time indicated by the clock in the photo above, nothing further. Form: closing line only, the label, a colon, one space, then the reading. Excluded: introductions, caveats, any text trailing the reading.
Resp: 4:09
